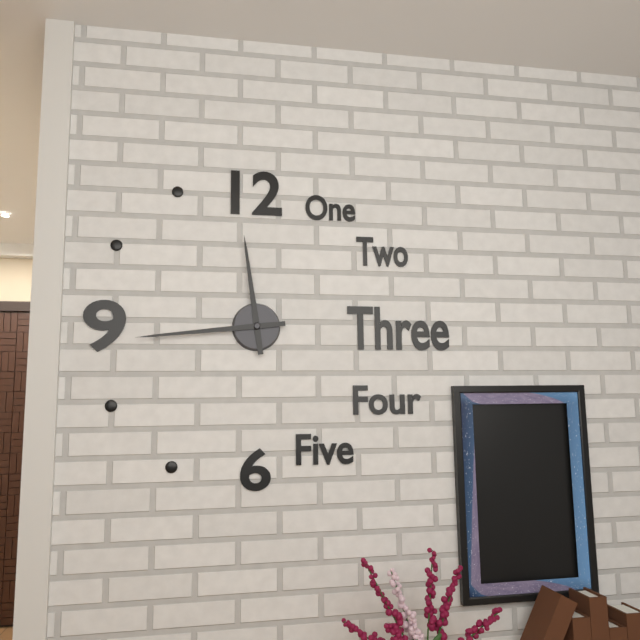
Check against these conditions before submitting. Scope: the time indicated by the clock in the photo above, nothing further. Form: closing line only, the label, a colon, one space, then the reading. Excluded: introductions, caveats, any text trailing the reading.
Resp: 11:44
